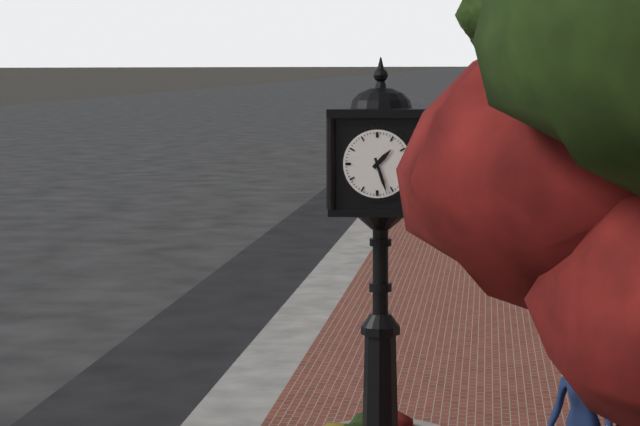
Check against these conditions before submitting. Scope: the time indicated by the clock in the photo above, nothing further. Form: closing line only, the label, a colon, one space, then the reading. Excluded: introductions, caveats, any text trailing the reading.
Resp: 1:27
